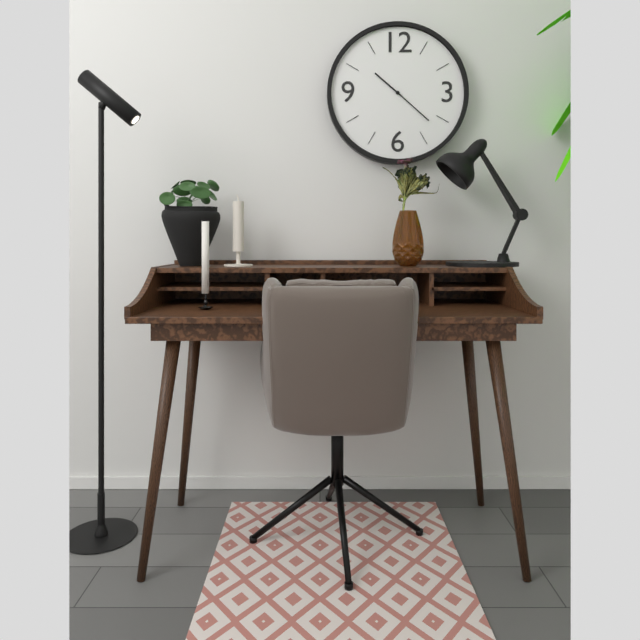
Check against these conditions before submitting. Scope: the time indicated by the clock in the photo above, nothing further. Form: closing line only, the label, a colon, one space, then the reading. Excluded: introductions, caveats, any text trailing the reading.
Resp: 10:22
